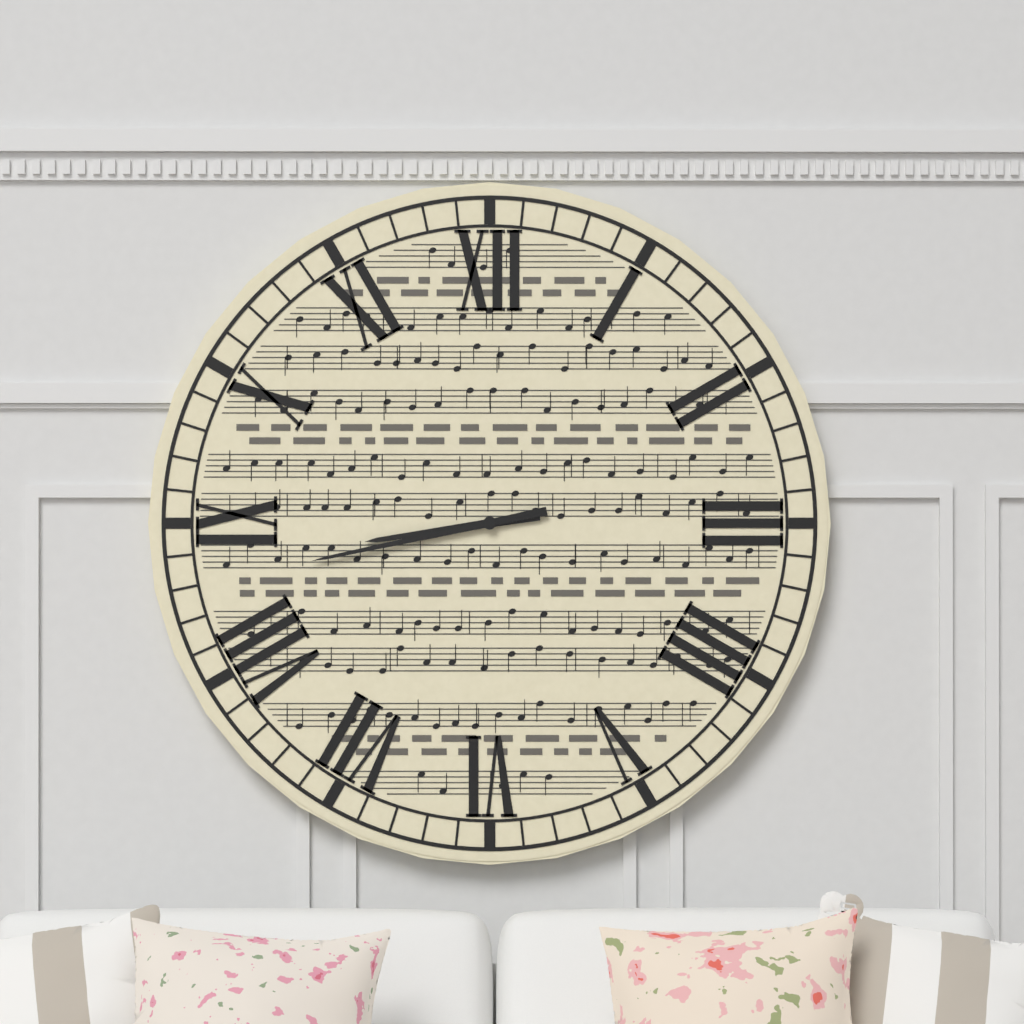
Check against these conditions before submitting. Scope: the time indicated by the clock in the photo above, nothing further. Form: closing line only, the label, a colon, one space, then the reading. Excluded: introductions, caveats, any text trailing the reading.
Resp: 8:43
